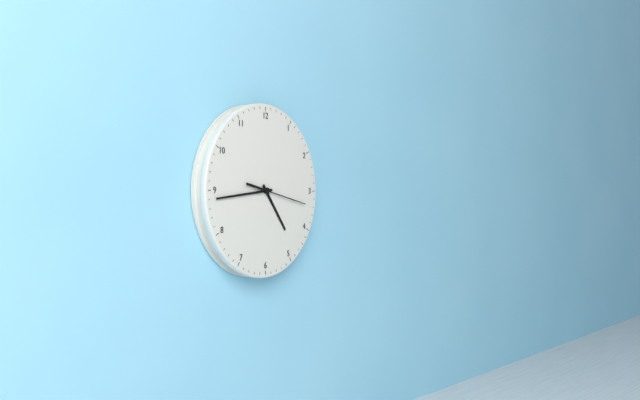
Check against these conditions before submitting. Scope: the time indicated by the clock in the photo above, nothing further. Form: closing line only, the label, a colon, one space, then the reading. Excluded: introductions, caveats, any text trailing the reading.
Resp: 4:44:17
